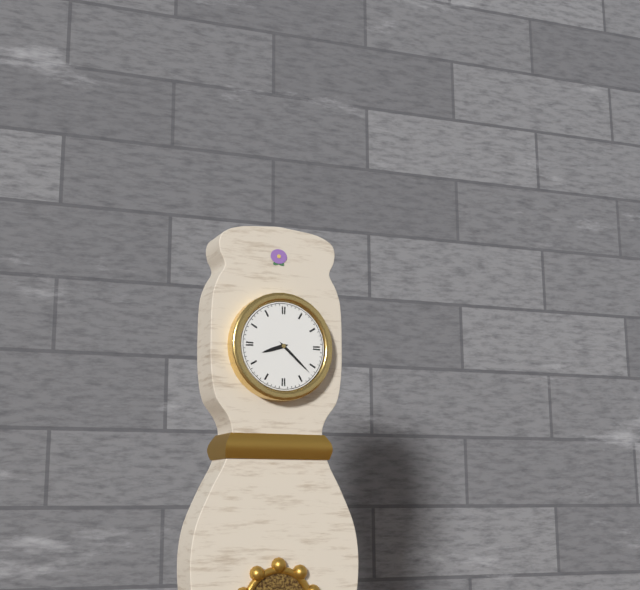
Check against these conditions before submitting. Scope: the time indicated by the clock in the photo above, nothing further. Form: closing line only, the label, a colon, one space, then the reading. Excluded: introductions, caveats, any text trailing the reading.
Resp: 8:22
